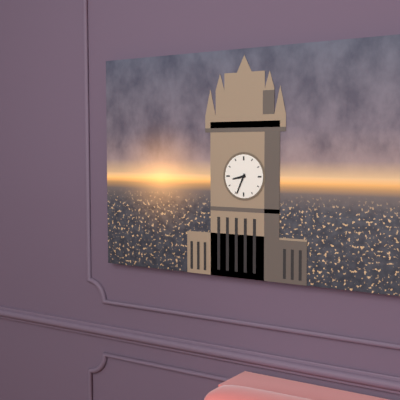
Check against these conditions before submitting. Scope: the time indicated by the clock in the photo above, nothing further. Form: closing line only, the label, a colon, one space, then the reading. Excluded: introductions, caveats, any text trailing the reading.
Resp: 8:34
